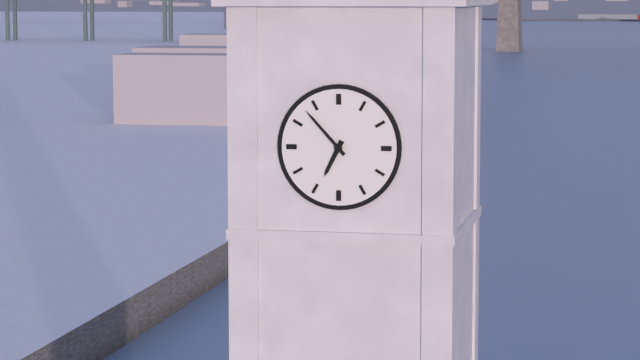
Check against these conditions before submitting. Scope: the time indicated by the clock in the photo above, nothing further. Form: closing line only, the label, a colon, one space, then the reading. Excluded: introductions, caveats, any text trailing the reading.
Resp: 6:53
